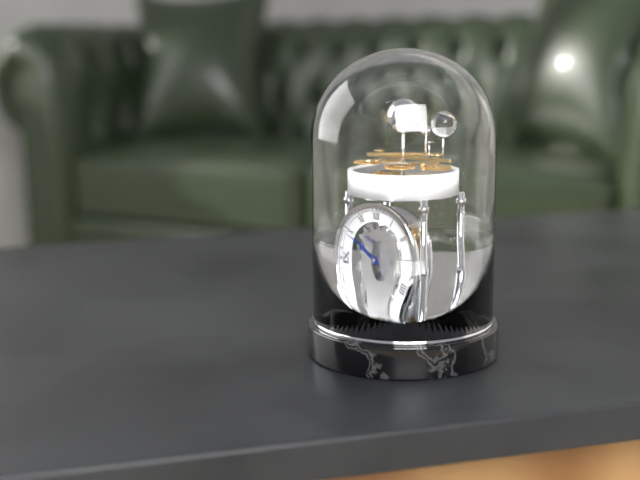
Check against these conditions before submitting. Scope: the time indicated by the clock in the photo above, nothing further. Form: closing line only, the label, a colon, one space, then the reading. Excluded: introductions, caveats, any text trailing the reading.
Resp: 9:49
